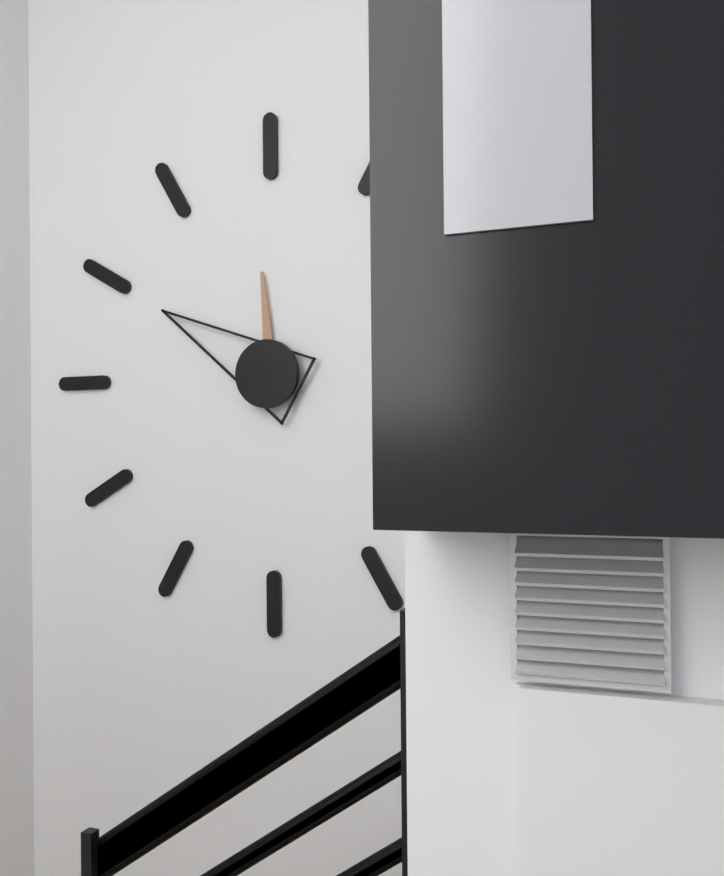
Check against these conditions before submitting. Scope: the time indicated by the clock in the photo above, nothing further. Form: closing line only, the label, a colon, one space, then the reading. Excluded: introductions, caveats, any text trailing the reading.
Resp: 11:50
